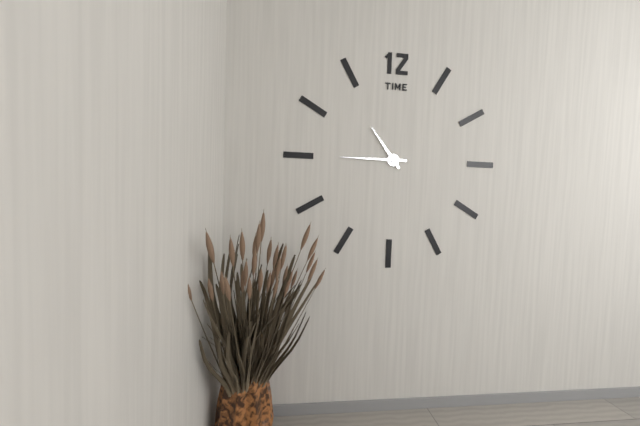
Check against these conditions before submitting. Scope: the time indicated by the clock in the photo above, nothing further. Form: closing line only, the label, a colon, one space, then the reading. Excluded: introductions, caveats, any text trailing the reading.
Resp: 10:45
